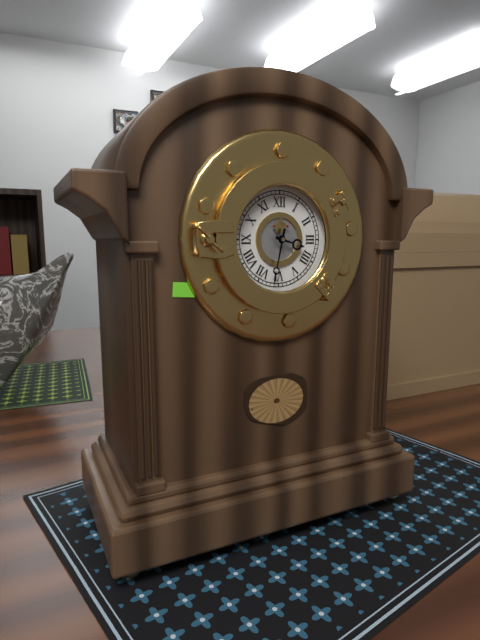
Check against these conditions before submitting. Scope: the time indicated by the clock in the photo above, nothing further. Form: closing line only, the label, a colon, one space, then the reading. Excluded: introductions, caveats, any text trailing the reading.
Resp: 3:32
